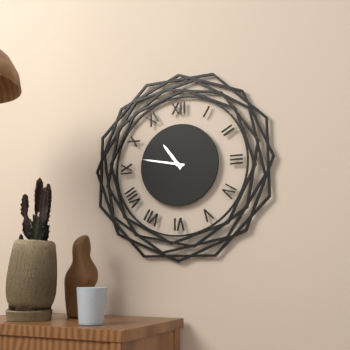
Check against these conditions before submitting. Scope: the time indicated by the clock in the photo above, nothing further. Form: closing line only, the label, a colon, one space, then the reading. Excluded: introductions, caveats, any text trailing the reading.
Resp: 10:47
